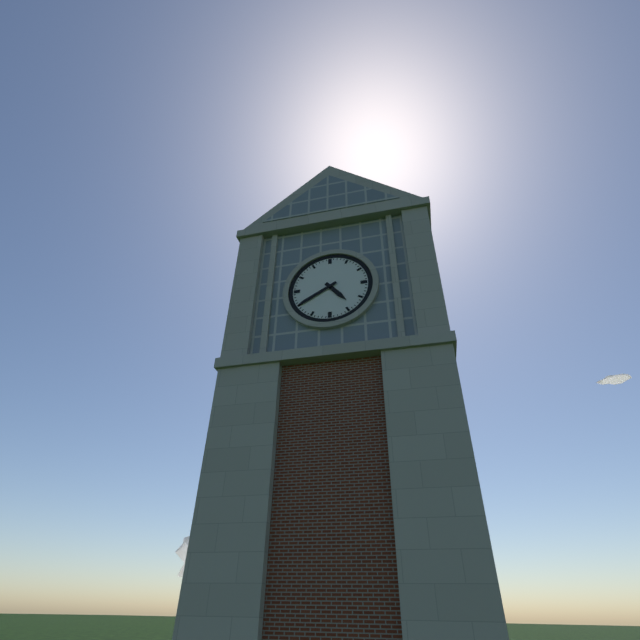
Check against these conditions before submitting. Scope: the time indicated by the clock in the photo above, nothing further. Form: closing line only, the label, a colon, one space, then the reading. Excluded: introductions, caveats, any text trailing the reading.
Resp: 4:40
